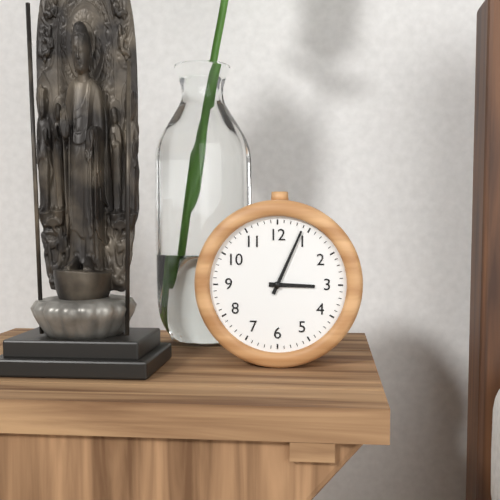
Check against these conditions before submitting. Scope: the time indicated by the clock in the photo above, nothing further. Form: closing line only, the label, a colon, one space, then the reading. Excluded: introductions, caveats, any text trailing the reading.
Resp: 3:04
